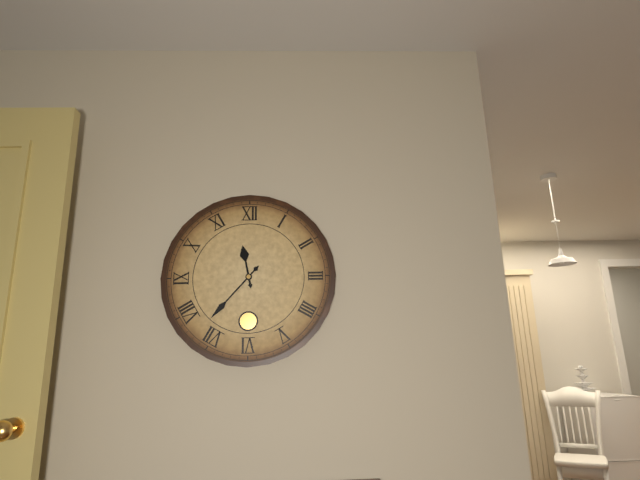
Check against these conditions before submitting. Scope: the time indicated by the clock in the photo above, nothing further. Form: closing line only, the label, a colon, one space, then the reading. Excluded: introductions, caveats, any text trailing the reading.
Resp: 11:37
